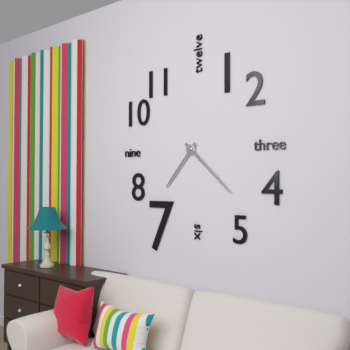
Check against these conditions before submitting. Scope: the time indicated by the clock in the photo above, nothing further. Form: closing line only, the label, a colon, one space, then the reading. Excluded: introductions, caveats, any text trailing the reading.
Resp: 7:22
